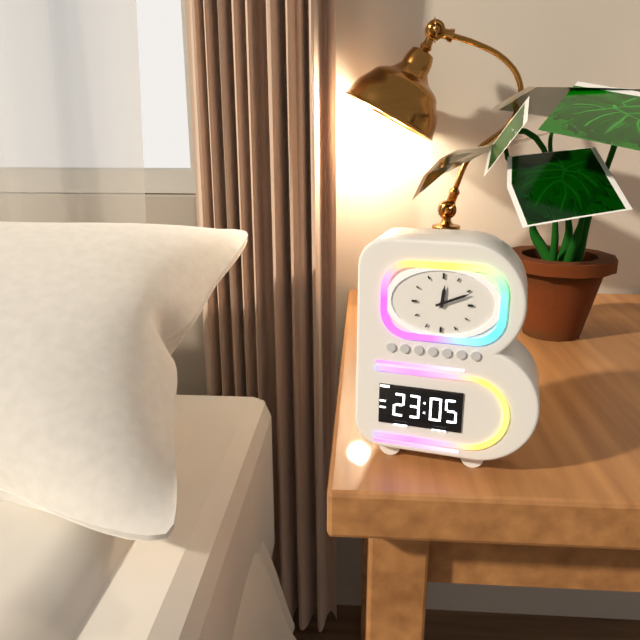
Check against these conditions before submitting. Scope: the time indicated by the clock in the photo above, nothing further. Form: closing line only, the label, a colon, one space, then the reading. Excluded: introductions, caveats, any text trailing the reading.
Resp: 12:11
